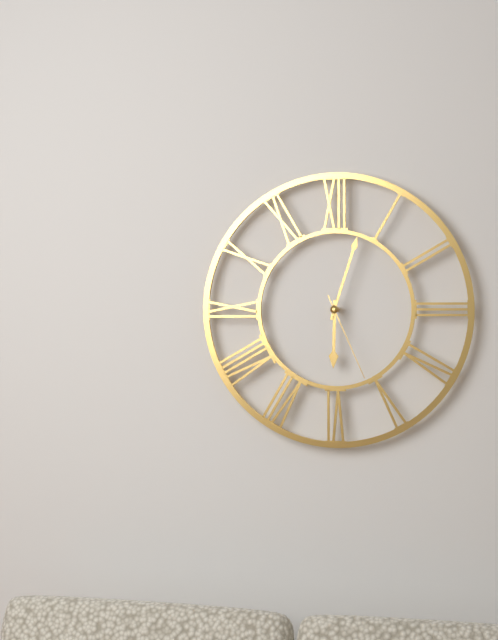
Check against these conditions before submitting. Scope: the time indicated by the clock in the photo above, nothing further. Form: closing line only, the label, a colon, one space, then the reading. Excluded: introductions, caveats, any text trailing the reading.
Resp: 6:03:26
